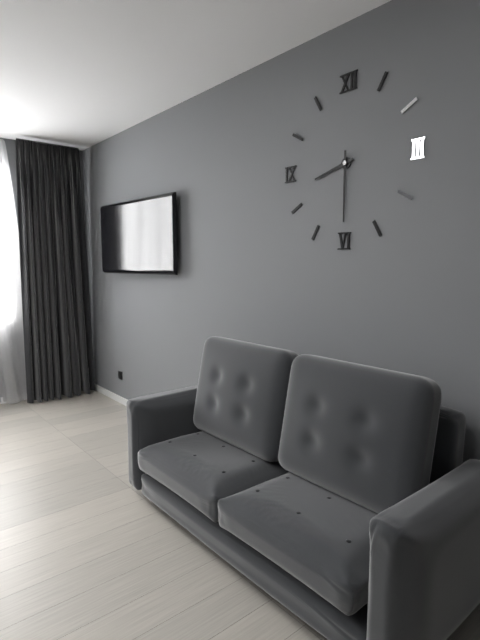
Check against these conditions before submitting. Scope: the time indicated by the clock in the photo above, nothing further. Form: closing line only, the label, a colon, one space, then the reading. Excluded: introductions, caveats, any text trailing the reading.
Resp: 8:30
